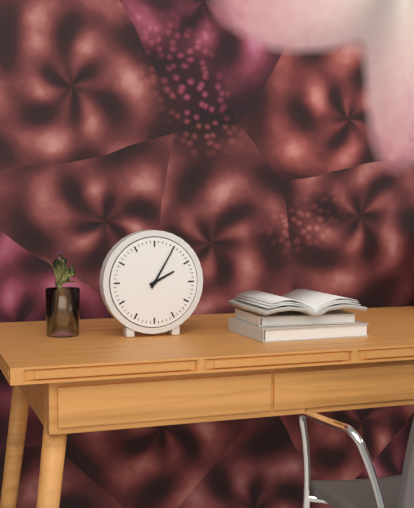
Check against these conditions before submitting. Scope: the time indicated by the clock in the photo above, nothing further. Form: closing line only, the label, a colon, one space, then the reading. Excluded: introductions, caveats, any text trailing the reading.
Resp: 2:05
